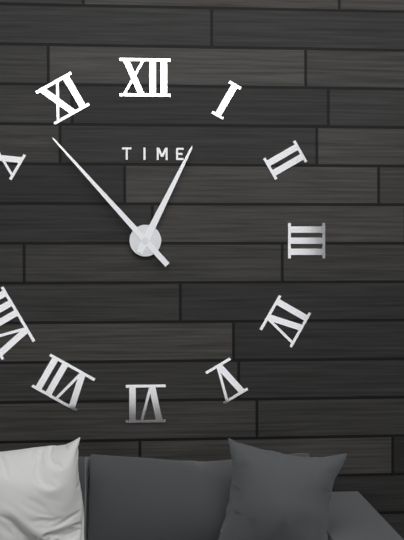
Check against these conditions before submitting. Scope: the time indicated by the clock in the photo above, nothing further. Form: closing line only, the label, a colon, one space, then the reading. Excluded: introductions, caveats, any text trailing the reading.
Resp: 12:53
